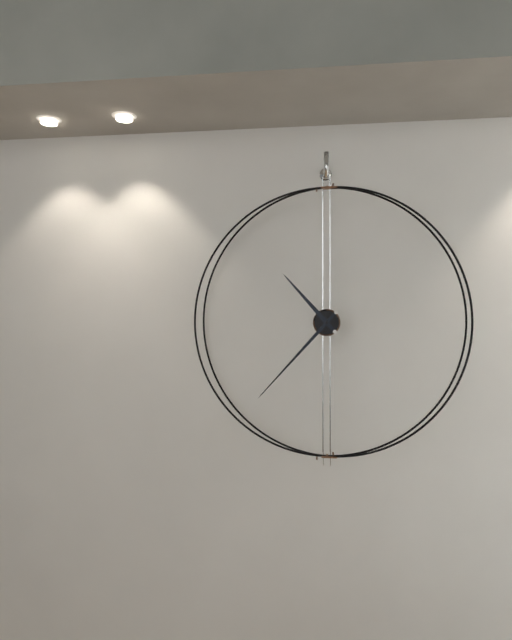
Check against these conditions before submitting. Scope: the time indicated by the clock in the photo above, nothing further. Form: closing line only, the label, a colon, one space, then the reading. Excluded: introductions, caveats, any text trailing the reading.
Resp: 10:37
